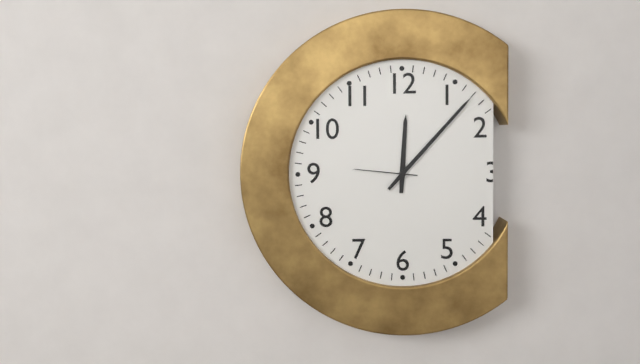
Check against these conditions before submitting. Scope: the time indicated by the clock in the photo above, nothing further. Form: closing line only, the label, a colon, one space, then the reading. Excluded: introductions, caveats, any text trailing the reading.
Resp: 12:07:46
